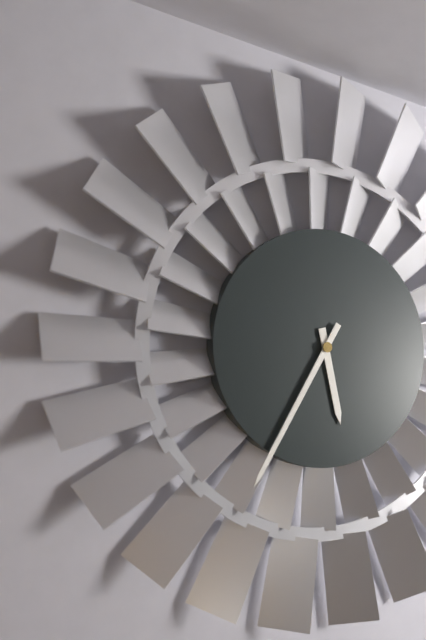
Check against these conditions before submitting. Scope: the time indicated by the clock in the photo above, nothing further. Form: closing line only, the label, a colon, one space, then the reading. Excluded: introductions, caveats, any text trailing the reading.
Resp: 5:35
